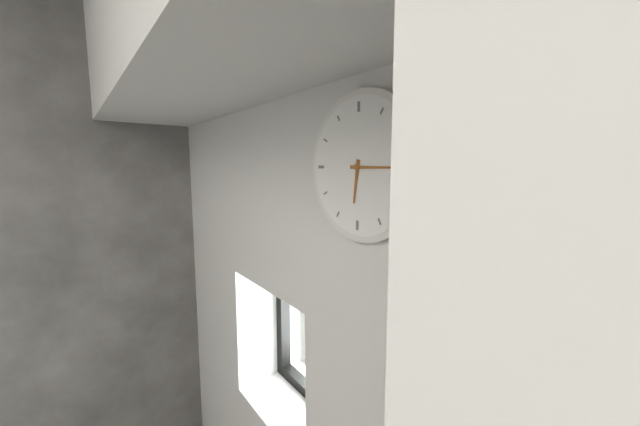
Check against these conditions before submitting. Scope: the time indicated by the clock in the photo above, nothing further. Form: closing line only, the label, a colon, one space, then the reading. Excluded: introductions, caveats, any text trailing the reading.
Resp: 6:15
